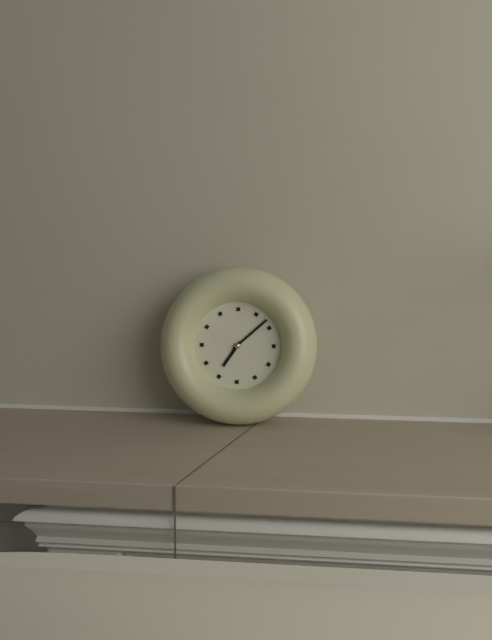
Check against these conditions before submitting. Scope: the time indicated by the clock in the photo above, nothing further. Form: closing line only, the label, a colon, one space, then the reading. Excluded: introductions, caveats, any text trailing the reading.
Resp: 7:08
